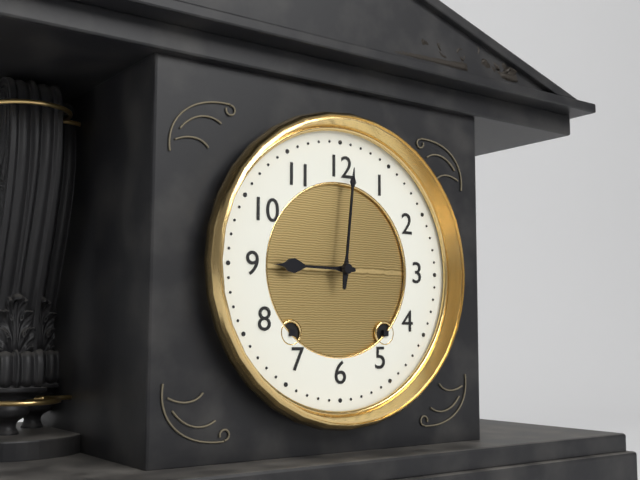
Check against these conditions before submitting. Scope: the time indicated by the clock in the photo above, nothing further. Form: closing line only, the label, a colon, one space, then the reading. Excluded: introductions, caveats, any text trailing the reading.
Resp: 9:01
